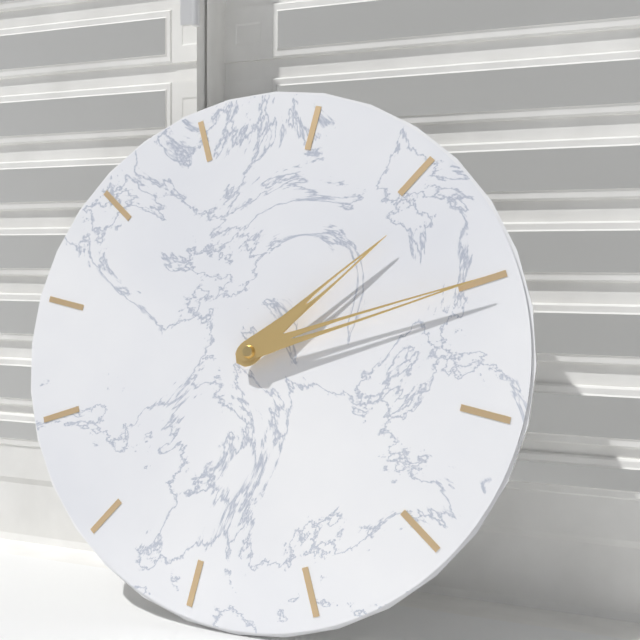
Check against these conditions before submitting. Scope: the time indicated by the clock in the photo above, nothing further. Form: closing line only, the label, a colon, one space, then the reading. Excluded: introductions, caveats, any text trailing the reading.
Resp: 2:15
